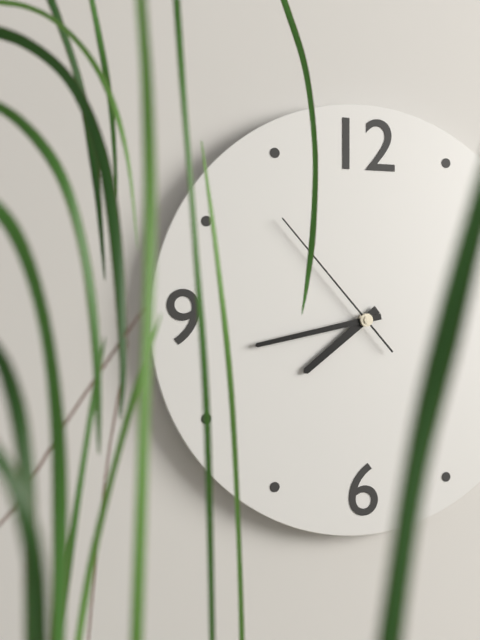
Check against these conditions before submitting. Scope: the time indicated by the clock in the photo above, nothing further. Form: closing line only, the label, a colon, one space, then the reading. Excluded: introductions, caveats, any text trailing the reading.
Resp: 7:43:53
